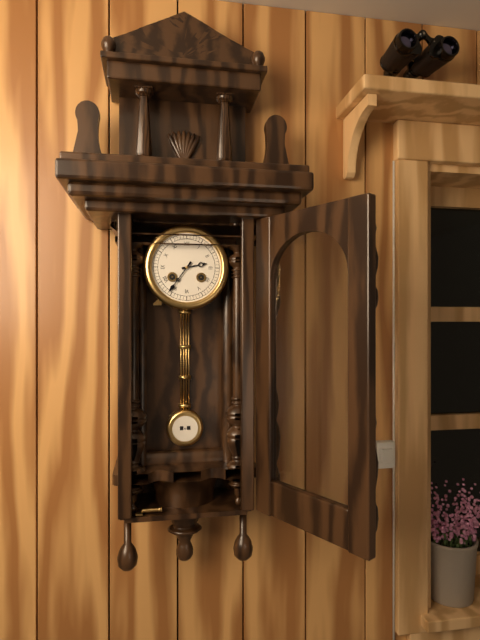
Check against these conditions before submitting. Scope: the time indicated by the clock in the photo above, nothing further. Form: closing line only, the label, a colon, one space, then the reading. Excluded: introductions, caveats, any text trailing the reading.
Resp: 2:36
